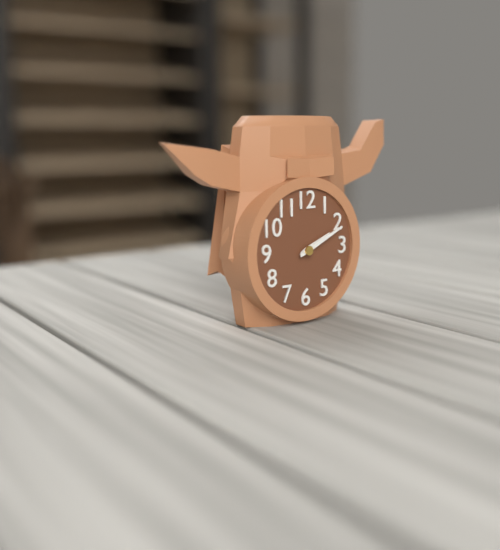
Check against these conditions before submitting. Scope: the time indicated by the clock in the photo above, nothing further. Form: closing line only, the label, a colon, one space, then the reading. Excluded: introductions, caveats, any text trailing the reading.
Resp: 2:11
